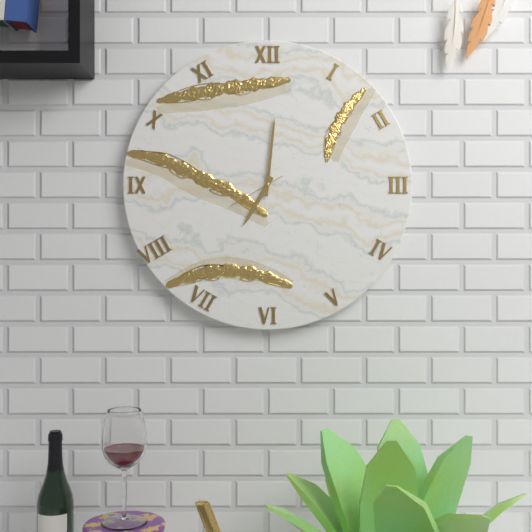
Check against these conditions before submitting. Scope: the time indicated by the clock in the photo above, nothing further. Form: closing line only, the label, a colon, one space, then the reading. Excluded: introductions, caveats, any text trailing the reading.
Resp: 7:01:40
